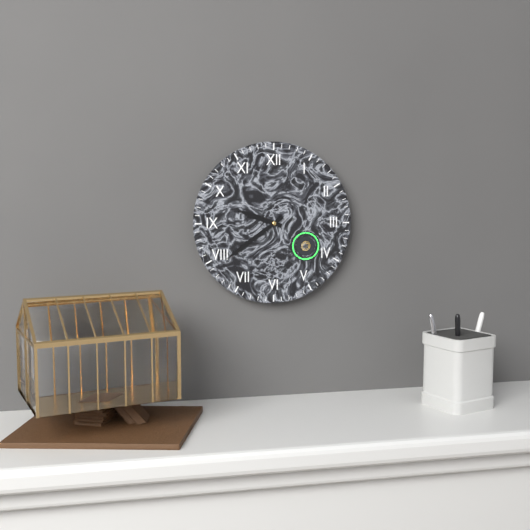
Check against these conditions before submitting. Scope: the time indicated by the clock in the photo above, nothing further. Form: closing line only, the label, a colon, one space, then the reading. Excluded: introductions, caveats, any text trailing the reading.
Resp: 9:39
